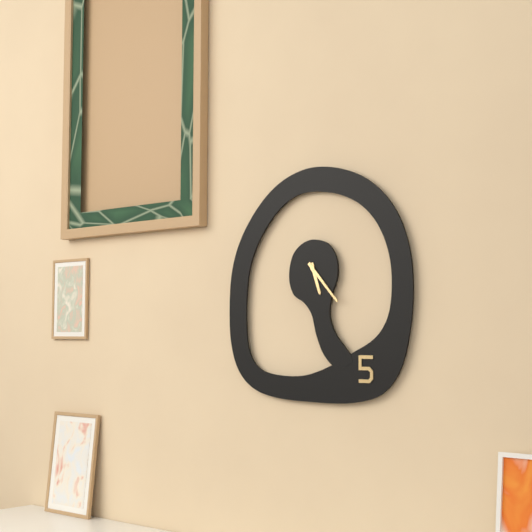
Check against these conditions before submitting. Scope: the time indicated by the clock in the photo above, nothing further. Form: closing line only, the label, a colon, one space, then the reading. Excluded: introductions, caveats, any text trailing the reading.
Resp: 5:23
